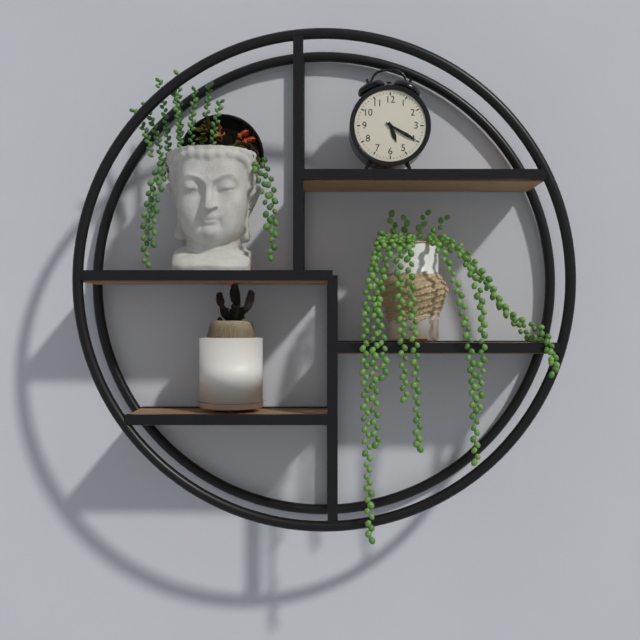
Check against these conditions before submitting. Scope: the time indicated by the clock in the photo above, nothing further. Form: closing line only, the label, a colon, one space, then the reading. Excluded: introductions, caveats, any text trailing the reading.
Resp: 5:20
